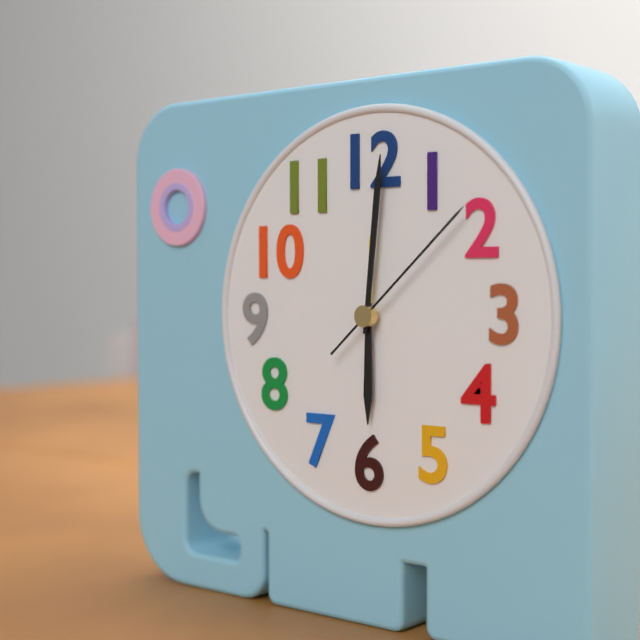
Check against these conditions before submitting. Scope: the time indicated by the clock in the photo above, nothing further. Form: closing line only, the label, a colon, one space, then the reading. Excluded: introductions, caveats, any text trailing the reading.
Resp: 6:01:08
